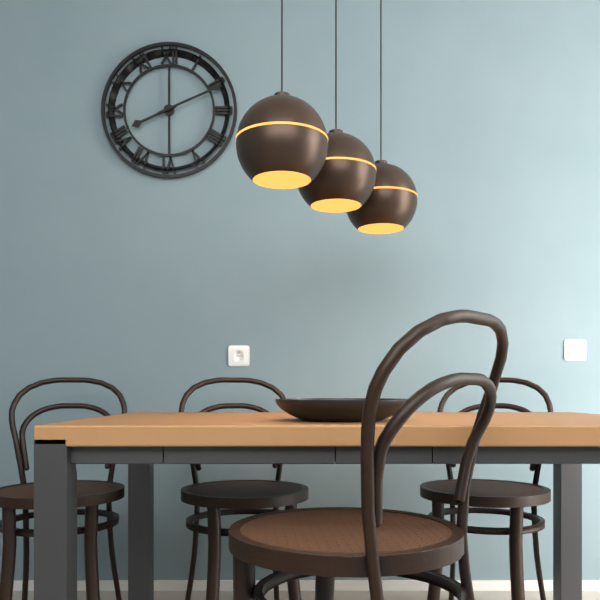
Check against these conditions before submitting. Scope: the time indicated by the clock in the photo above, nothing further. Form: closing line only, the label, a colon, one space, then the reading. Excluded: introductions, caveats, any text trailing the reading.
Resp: 8:11
